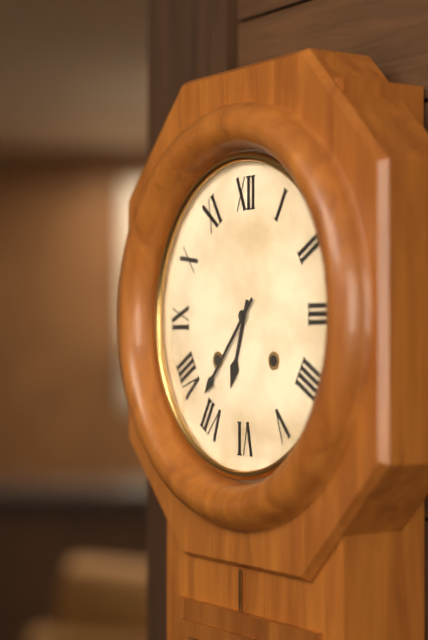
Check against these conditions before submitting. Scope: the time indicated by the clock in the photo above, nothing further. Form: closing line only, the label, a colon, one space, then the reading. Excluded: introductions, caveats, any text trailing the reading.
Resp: 6:37
